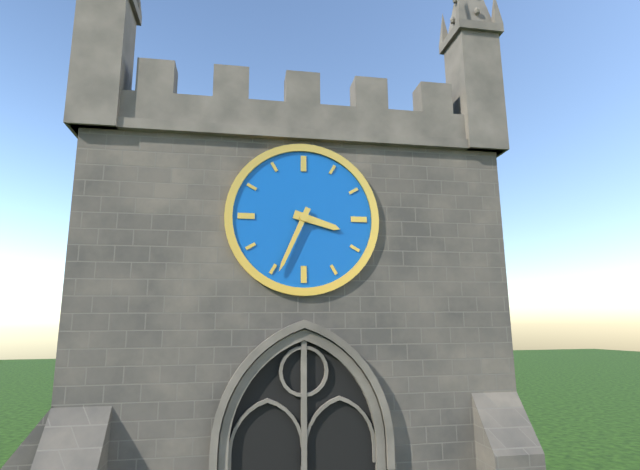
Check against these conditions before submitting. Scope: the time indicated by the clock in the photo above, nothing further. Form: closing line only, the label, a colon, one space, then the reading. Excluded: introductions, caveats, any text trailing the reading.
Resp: 3:34
